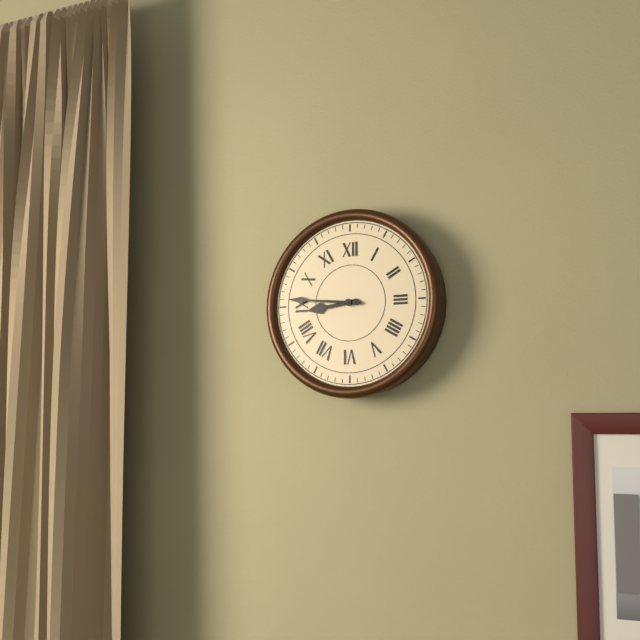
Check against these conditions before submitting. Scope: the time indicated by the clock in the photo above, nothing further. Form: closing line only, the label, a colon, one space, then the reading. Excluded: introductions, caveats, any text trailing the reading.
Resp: 8:46
